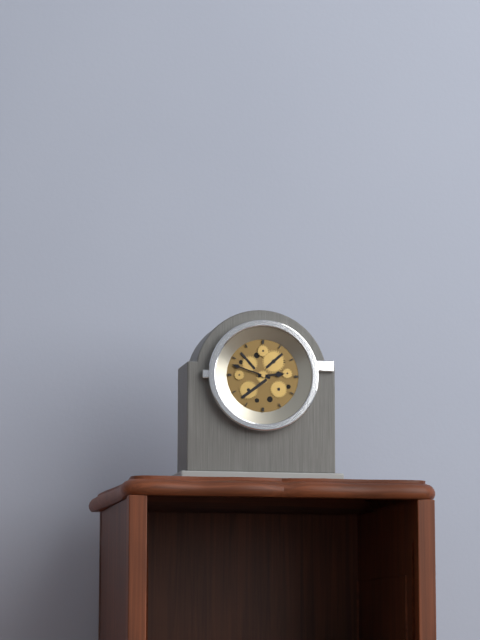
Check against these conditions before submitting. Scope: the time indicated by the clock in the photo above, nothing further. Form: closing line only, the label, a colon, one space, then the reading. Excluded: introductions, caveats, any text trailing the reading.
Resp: 2:48
